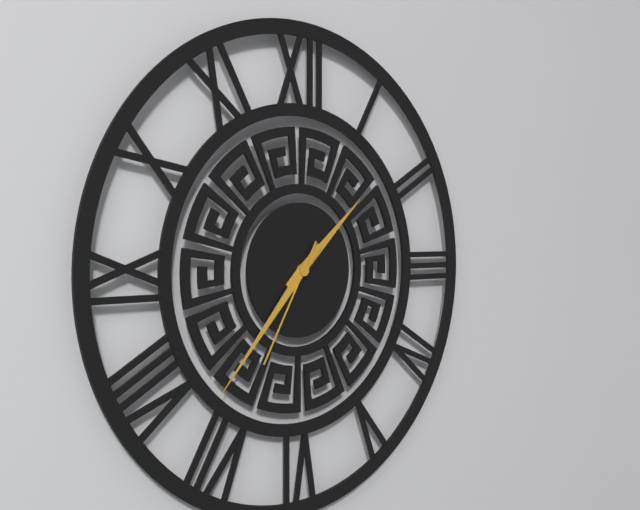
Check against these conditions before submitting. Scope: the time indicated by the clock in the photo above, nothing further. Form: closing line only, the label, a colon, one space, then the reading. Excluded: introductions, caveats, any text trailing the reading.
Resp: 1:37:35
